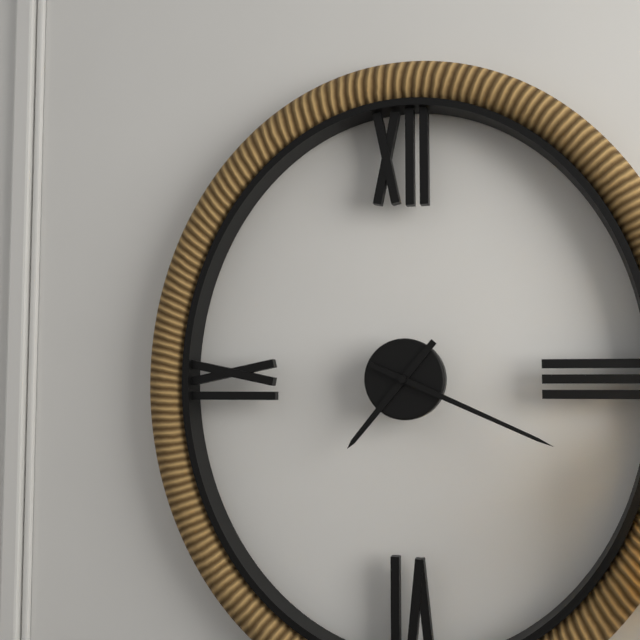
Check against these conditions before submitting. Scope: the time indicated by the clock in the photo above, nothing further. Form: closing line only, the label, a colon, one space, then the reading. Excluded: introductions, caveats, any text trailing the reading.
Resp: 7:19
